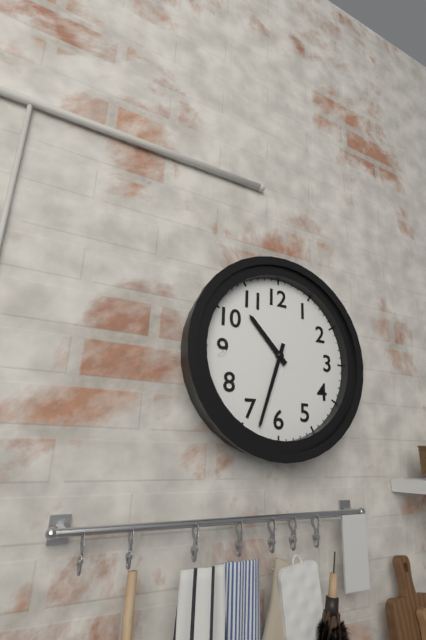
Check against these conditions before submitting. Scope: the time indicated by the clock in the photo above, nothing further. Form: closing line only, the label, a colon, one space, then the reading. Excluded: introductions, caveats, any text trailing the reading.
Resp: 10:33
